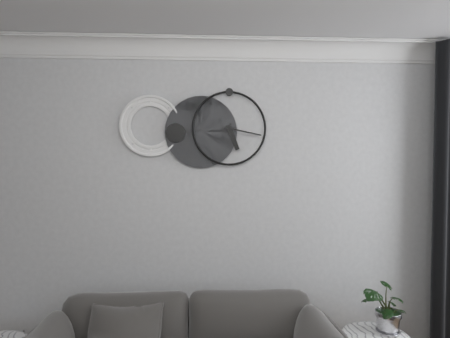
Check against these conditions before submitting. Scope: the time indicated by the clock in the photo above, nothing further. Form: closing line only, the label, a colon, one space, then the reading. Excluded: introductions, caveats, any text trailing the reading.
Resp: 5:17
